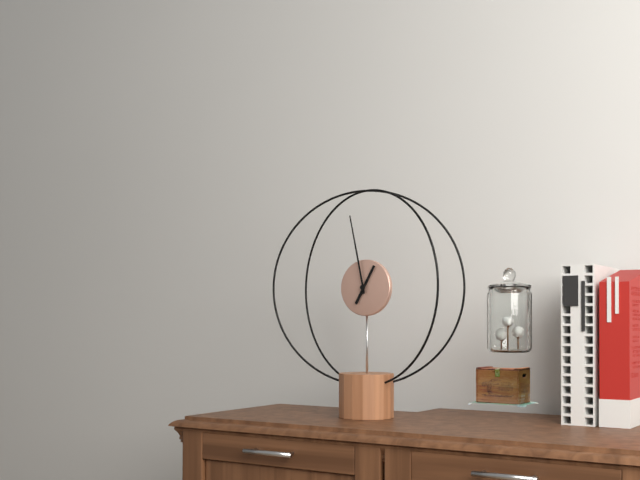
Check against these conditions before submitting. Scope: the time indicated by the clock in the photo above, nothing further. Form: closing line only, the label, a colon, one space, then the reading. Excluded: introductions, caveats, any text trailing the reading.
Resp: 12:58
